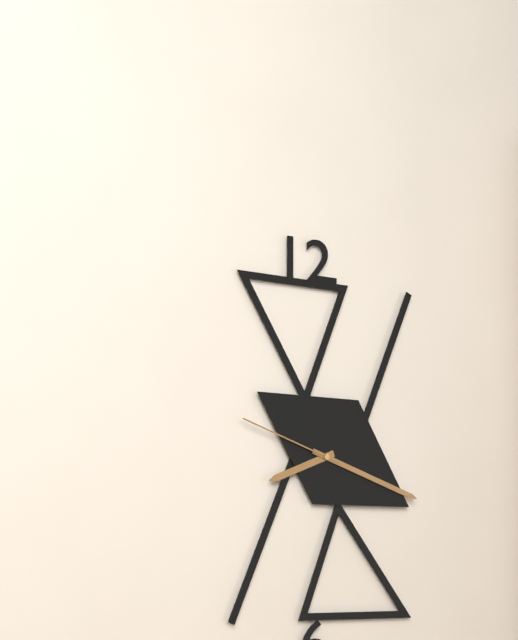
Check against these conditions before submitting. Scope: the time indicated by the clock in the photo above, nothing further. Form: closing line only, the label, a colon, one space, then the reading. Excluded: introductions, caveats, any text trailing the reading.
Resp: 8:18:48
